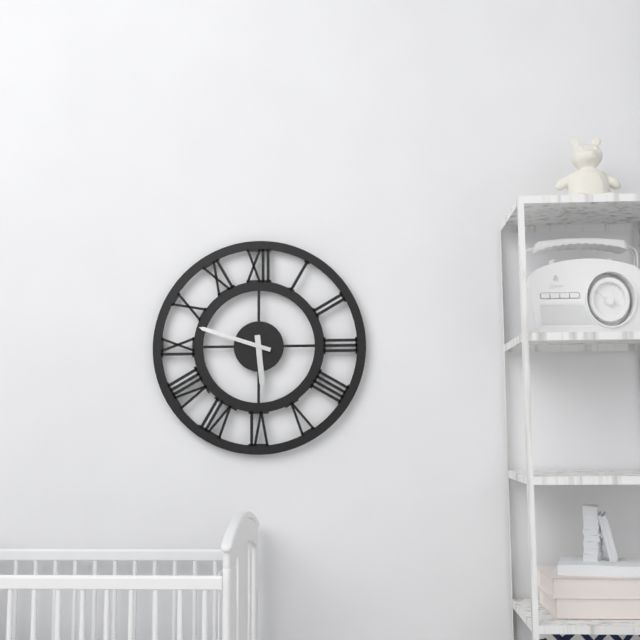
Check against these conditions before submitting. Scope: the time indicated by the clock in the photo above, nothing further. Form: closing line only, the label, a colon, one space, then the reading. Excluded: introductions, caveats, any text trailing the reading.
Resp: 5:48
